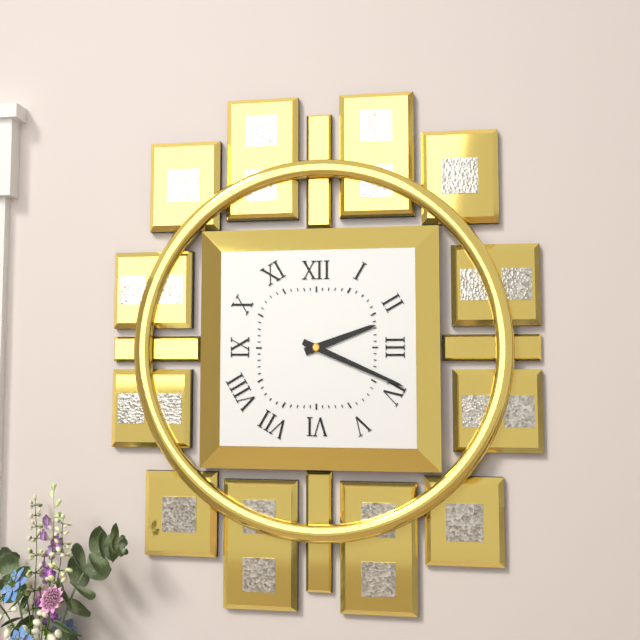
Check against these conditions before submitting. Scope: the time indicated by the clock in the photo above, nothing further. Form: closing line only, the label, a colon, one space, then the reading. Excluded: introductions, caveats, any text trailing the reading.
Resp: 2:19
